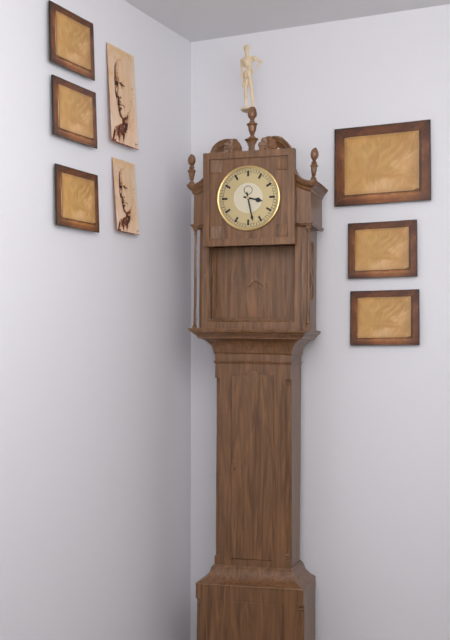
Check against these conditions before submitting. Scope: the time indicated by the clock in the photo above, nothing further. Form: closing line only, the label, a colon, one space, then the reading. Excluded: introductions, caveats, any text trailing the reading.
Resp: 3:28
